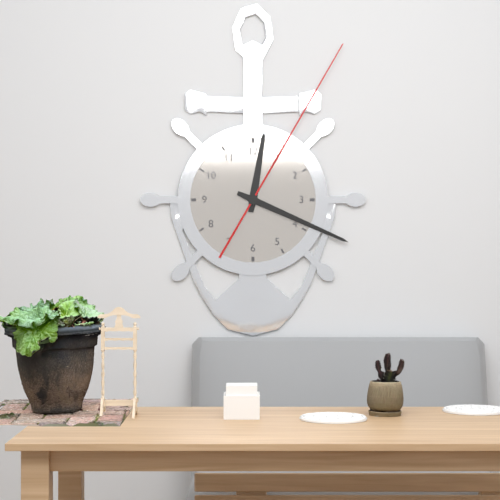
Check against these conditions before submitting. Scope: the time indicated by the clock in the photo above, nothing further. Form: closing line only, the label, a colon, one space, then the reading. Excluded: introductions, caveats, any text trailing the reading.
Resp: 12:19:05
